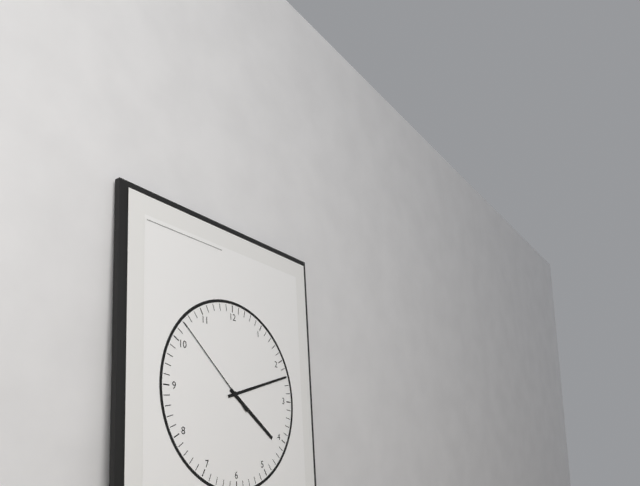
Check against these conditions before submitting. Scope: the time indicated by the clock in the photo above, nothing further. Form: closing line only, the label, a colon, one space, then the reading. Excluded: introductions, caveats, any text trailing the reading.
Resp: 4:12:52
